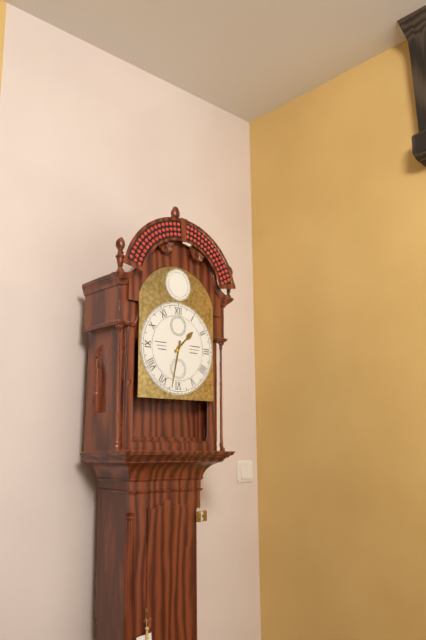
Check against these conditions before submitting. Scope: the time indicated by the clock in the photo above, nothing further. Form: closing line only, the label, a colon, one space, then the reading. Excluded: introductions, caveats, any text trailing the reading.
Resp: 1:32
